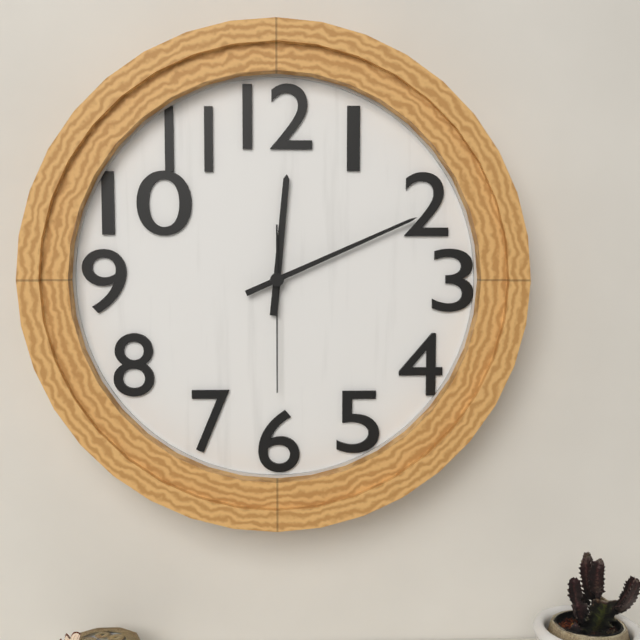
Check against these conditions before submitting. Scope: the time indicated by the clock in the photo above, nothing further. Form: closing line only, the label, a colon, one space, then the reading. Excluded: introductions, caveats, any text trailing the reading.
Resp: 12:11:30
